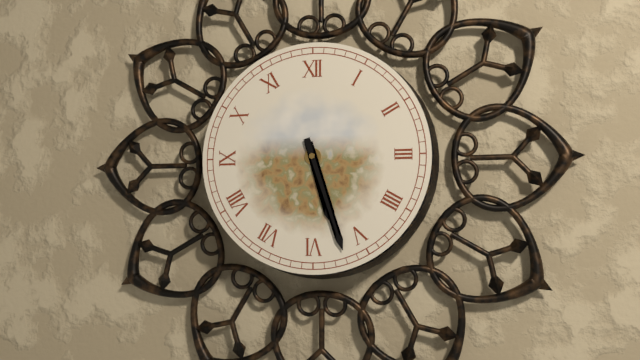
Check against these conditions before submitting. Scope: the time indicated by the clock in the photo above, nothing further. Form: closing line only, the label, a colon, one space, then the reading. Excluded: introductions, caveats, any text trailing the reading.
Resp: 5:27
